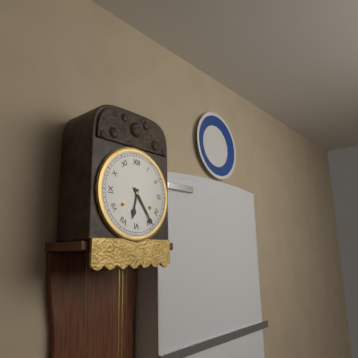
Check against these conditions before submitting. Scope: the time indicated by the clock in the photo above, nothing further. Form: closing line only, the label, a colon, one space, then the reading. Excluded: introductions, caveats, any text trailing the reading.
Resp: 6:24
